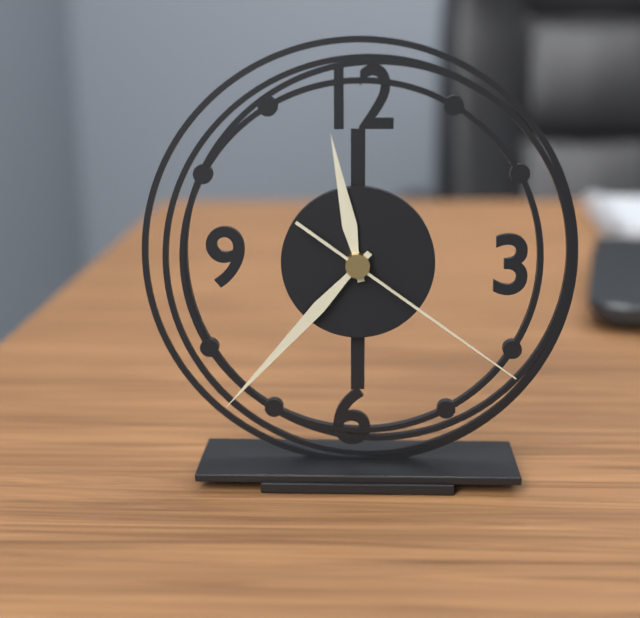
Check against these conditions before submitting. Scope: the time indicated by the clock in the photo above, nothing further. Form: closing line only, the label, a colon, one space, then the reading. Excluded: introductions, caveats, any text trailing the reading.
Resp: 11:37:21
